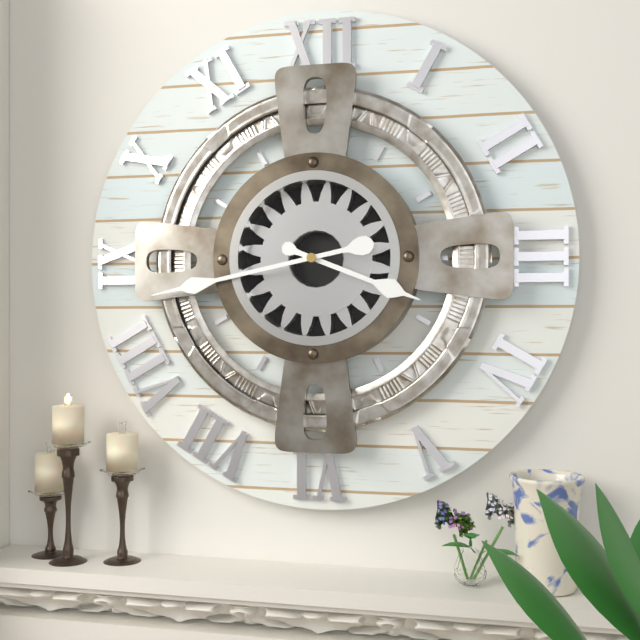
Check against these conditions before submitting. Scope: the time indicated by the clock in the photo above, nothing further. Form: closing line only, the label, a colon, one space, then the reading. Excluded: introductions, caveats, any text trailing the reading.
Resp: 3:43
